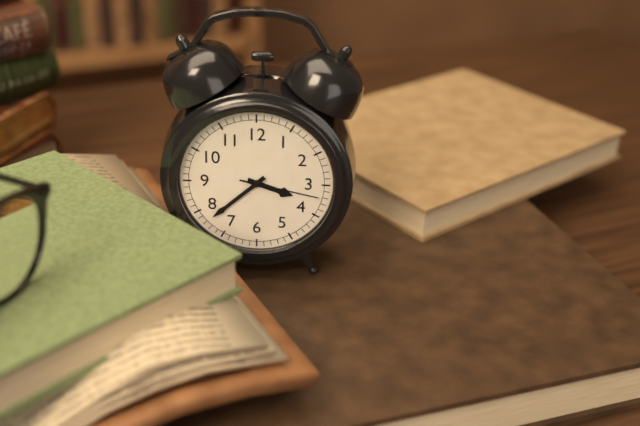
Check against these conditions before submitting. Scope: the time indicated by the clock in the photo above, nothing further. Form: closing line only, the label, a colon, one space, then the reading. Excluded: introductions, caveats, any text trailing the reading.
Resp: 3:38:17
